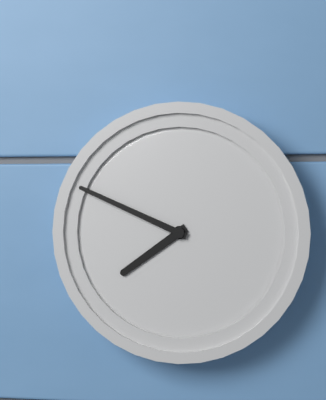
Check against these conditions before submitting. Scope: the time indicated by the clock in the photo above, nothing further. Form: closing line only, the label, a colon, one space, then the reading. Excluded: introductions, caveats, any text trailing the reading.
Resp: 7:49
